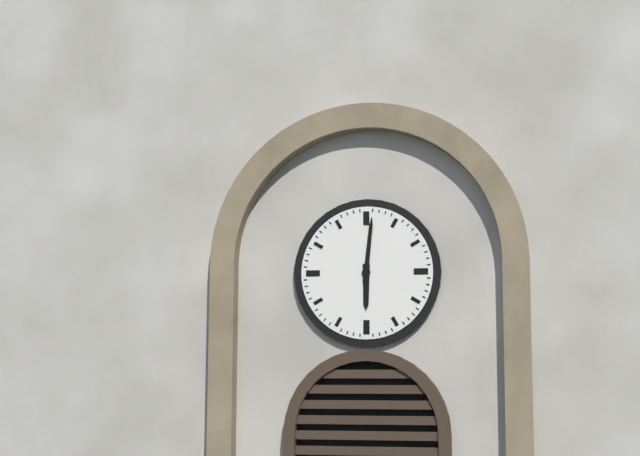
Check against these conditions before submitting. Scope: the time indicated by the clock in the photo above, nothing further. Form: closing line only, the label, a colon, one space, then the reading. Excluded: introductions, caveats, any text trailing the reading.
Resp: 6:01
